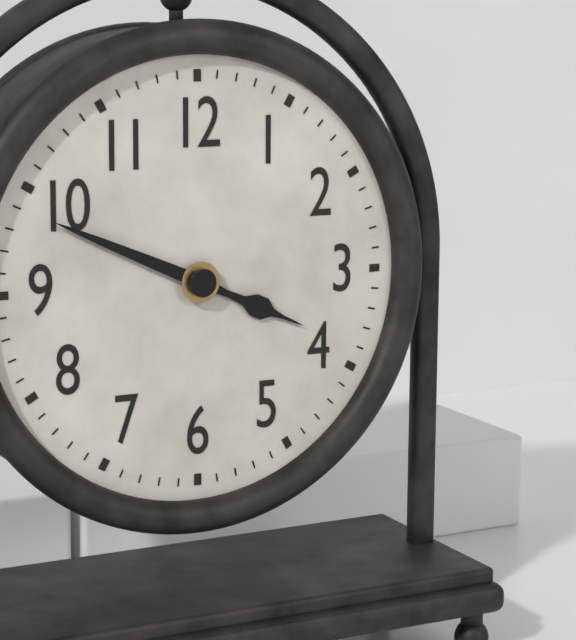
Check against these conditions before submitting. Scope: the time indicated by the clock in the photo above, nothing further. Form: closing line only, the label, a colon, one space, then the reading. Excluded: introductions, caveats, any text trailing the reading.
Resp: 3:49
